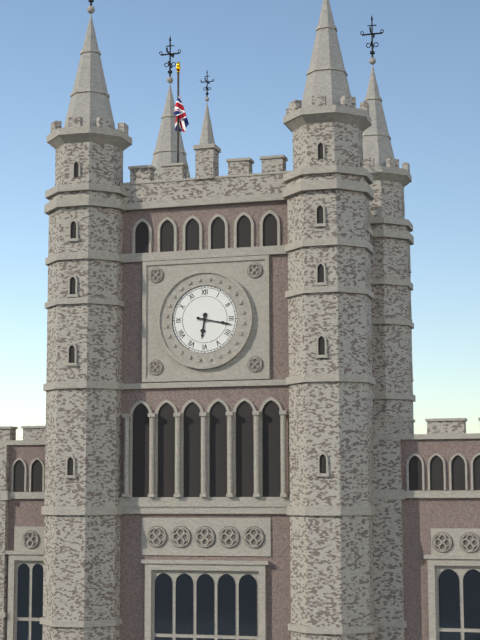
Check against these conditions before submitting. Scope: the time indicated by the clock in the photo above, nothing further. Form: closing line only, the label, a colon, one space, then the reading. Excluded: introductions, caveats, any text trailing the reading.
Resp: 6:17
